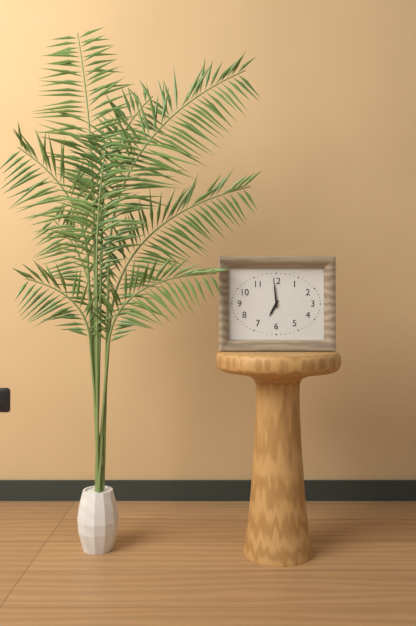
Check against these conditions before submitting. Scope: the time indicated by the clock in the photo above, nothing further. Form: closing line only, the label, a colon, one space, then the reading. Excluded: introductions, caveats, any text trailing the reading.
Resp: 6:59
